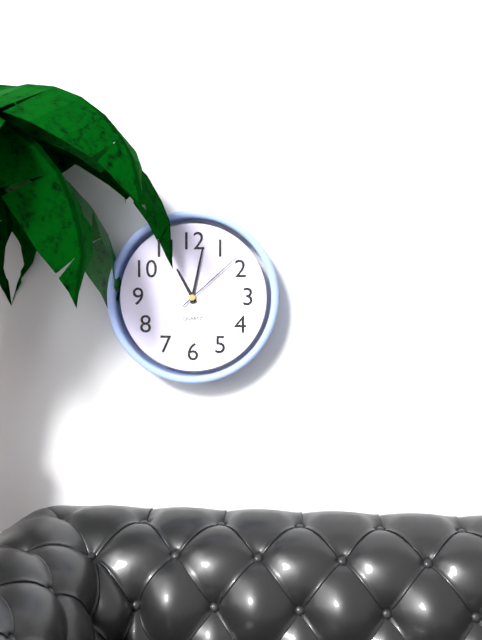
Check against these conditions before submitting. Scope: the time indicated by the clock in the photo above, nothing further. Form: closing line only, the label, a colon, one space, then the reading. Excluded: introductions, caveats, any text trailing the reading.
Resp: 11:02:08
